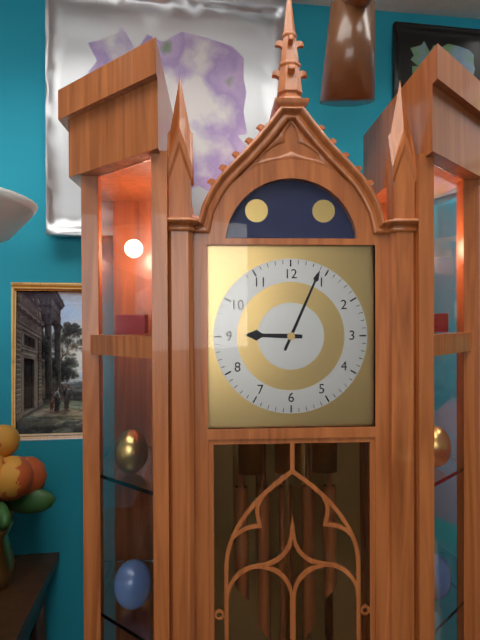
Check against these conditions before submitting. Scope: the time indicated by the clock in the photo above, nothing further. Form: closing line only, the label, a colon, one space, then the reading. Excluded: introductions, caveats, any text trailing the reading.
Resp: 9:04
